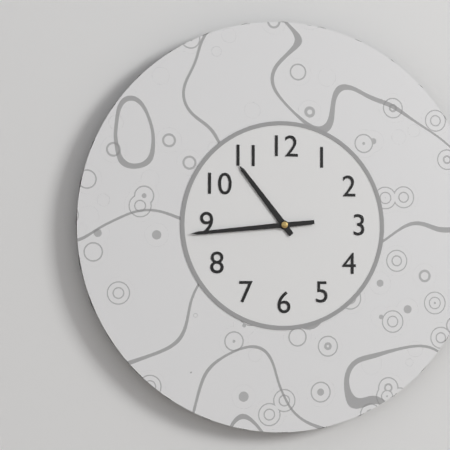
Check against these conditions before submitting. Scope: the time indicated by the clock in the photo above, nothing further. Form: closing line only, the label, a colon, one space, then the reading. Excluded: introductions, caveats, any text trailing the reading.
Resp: 10:44
